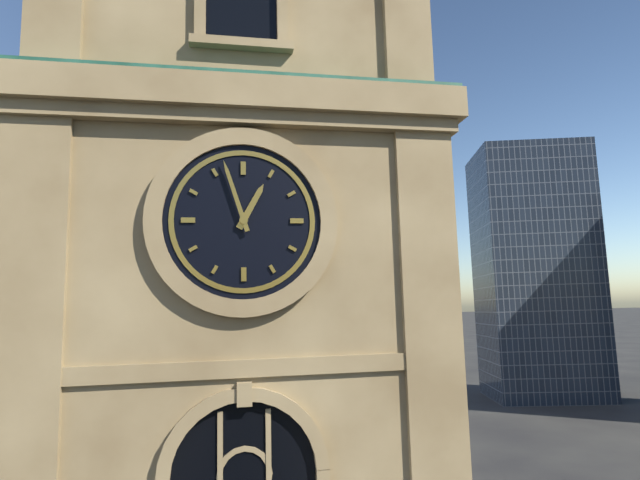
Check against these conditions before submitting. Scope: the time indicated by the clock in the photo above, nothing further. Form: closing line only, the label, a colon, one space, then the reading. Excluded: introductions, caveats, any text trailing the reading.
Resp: 12:57
